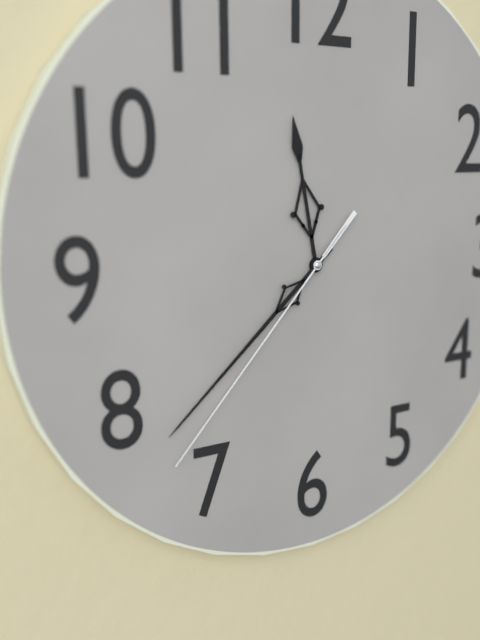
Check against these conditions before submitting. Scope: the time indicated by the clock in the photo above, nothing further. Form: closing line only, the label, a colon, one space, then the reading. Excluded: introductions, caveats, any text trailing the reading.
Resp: 11:38:37
